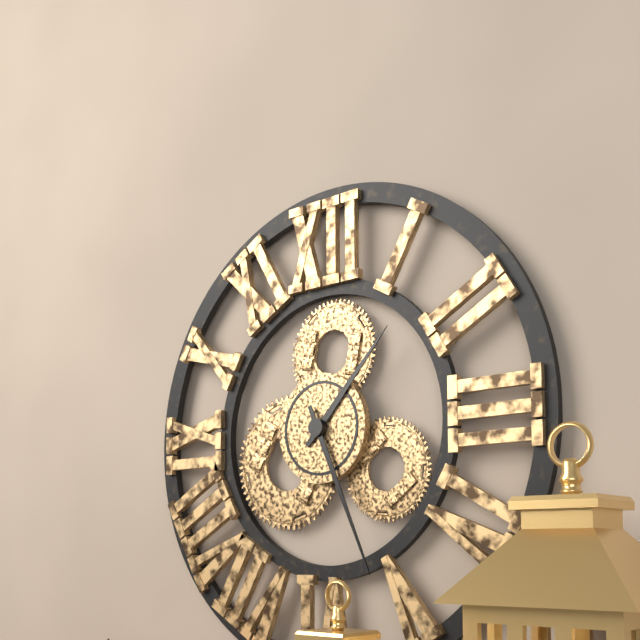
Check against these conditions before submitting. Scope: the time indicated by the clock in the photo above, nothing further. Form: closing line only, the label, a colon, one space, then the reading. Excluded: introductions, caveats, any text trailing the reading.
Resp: 1:26
